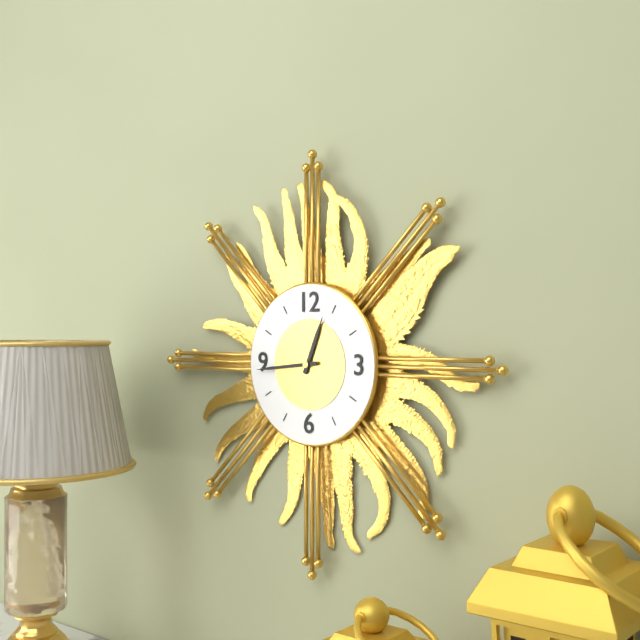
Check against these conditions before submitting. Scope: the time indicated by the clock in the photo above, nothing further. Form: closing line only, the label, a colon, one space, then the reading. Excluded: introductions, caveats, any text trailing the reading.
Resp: 12:44
